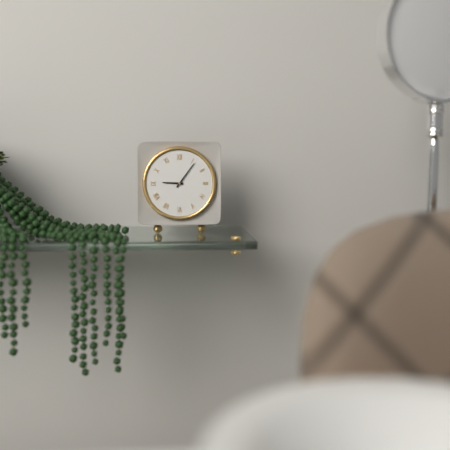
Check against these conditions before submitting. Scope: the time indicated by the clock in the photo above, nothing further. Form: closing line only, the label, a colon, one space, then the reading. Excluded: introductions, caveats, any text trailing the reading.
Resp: 9:06
